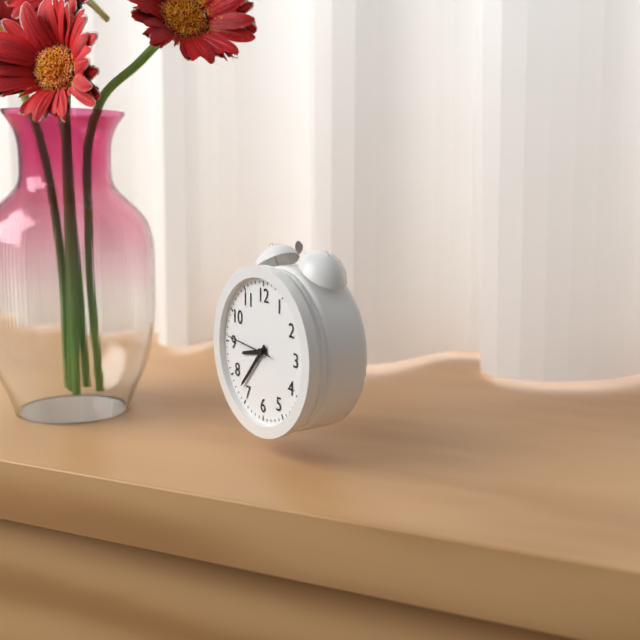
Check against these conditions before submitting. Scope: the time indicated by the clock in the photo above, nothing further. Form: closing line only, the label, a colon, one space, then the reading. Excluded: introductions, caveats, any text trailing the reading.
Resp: 8:37
